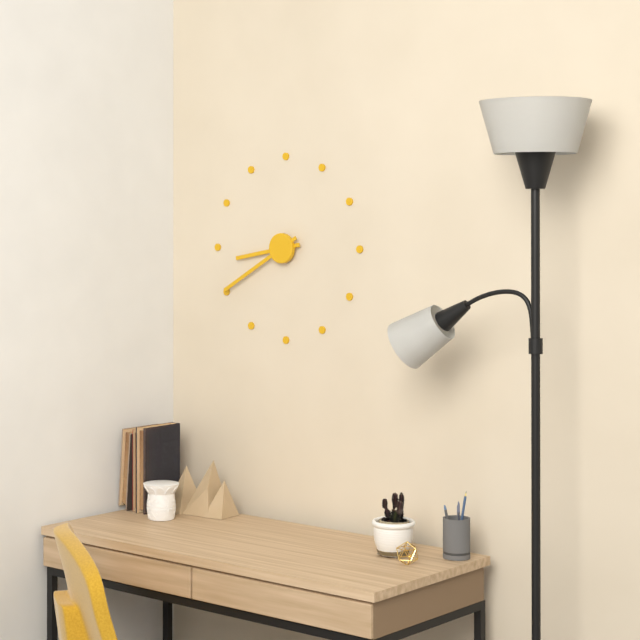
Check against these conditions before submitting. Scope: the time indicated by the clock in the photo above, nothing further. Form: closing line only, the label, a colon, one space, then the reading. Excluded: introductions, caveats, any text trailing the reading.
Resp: 8:40
